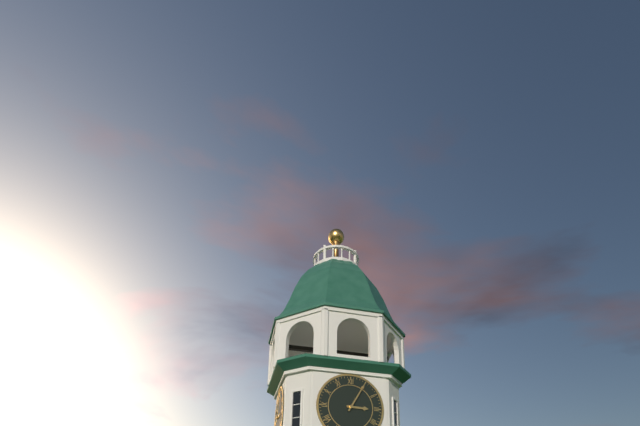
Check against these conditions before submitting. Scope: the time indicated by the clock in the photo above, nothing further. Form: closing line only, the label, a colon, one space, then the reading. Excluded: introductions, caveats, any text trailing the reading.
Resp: 3:05
